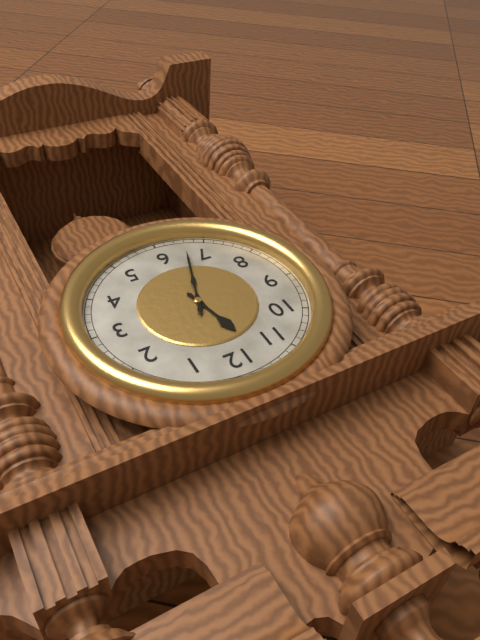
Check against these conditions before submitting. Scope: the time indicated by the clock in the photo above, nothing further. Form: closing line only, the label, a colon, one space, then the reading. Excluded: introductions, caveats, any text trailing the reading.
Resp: 11:33
